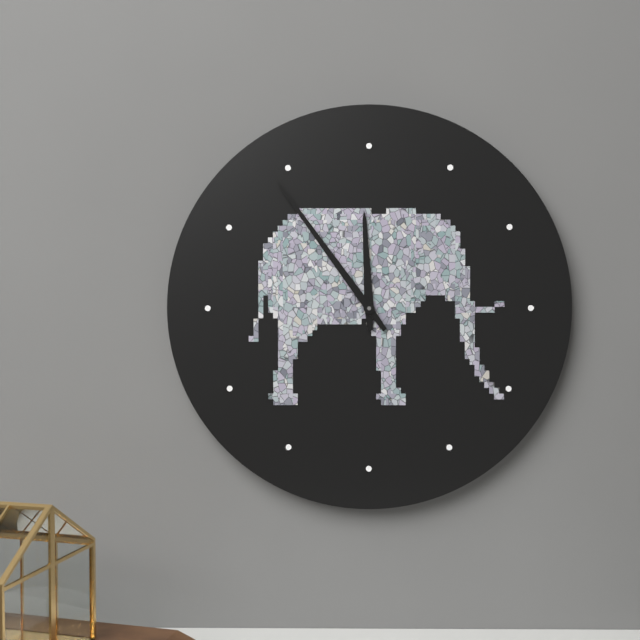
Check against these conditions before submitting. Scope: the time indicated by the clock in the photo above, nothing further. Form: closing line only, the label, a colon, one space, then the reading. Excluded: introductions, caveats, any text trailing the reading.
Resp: 11:54
